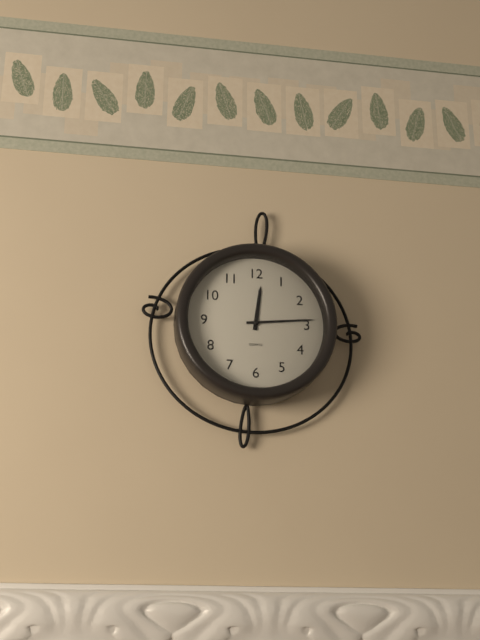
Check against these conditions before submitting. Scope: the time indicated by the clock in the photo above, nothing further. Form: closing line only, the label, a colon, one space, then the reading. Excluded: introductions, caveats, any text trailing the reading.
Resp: 12:14
